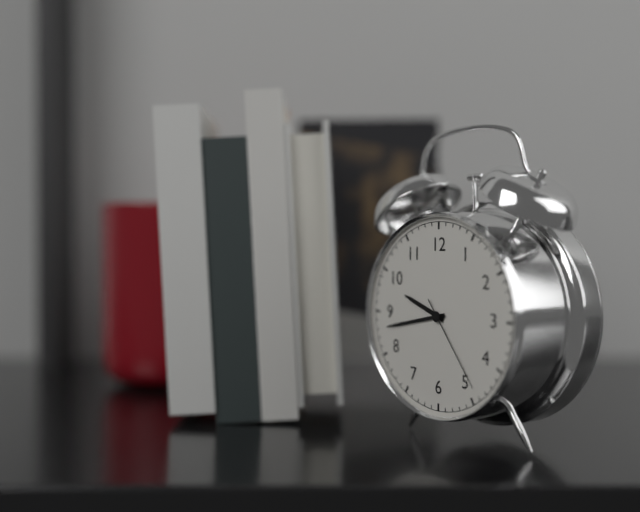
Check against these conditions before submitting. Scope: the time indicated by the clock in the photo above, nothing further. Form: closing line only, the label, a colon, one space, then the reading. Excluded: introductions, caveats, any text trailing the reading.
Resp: 9:43:24
